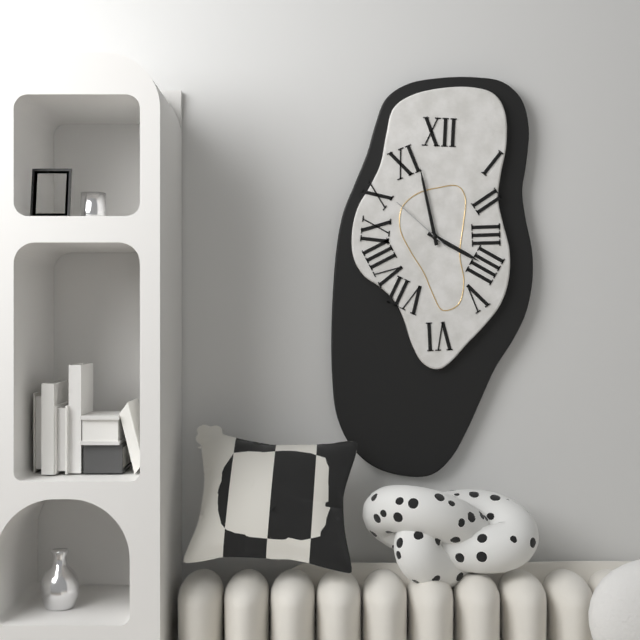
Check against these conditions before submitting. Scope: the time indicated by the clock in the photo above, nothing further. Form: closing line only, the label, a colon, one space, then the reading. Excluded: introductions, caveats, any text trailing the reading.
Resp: 3:58:52
